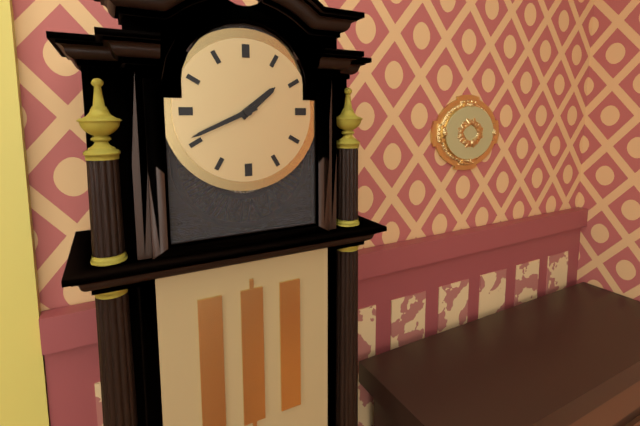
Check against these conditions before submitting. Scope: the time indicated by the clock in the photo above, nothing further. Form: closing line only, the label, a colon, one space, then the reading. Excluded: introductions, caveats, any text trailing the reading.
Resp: 1:41
